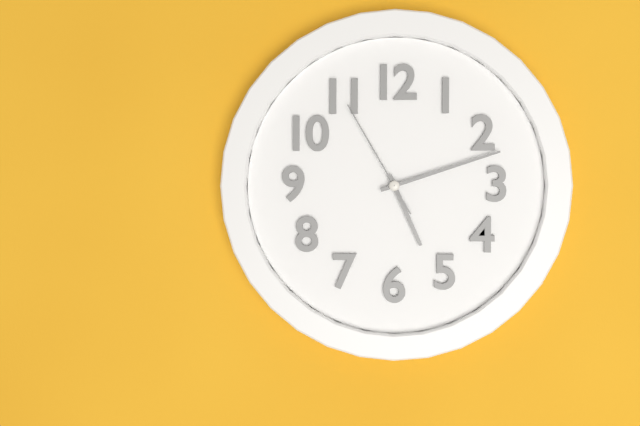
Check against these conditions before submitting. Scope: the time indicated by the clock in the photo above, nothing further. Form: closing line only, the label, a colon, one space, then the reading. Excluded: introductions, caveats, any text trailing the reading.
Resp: 5:12:55
